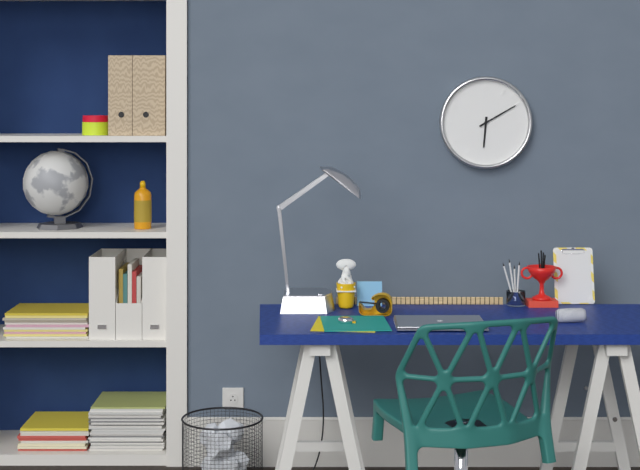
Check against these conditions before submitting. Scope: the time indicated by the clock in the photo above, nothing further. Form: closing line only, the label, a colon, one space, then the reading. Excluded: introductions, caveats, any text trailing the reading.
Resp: 6:10
